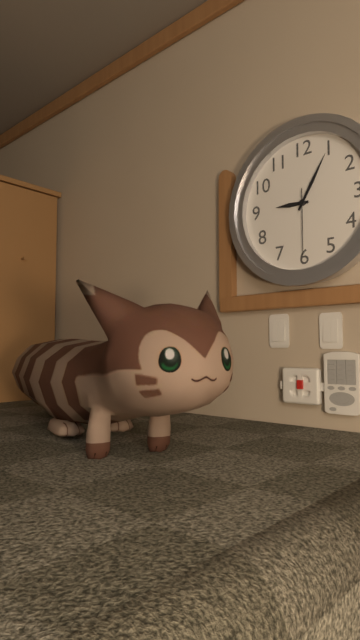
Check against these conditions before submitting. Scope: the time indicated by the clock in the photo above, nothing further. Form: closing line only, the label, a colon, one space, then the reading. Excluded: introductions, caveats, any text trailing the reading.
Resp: 9:05:30
